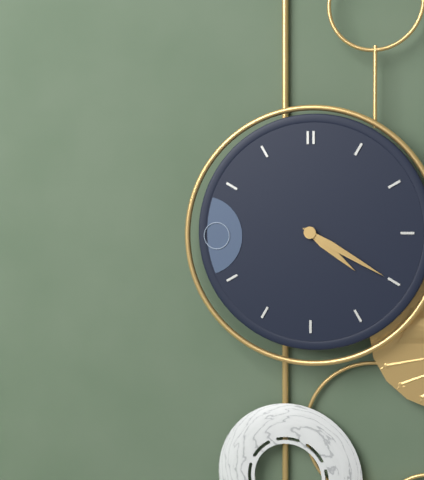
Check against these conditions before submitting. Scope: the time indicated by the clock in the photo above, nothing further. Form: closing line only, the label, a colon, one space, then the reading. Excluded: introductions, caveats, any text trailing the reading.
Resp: 4:20
